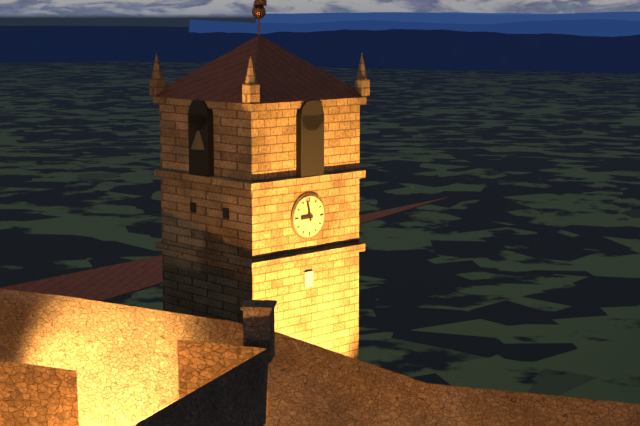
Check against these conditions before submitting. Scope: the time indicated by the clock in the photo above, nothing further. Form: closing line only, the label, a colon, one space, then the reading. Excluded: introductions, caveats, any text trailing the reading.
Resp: 8:58
